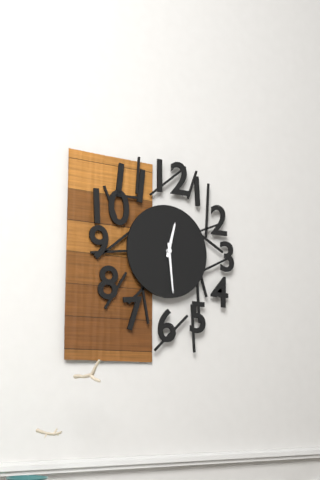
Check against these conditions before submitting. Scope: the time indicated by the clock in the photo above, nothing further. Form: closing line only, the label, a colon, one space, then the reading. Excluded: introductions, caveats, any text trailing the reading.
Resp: 12:29
